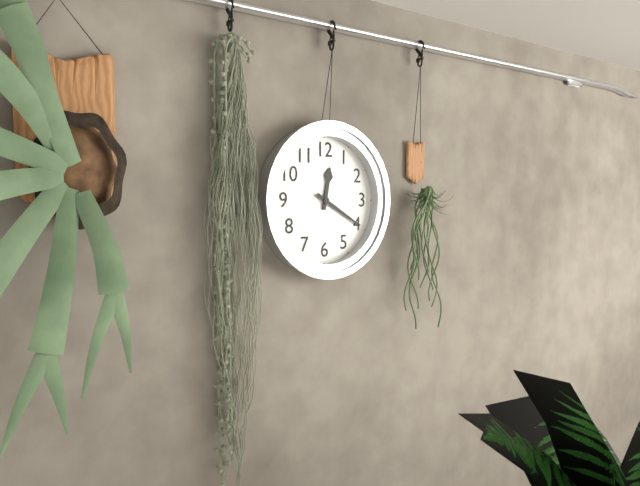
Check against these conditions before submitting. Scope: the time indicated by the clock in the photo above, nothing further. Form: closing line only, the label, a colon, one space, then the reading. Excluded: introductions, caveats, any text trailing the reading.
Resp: 12:20
